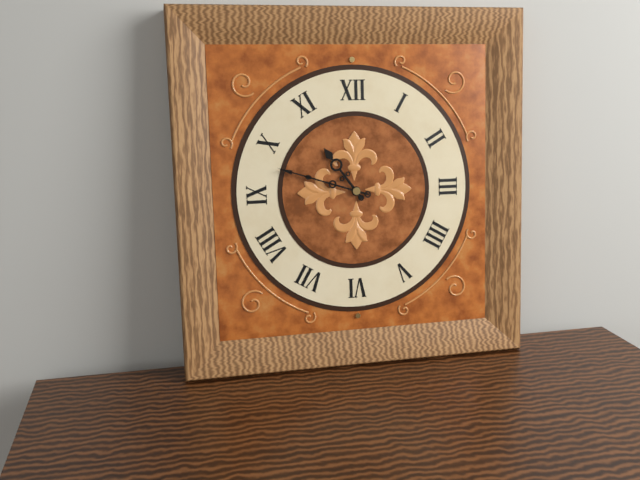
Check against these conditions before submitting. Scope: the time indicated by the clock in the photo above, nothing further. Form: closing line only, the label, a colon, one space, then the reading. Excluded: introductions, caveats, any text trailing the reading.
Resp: 10:48
